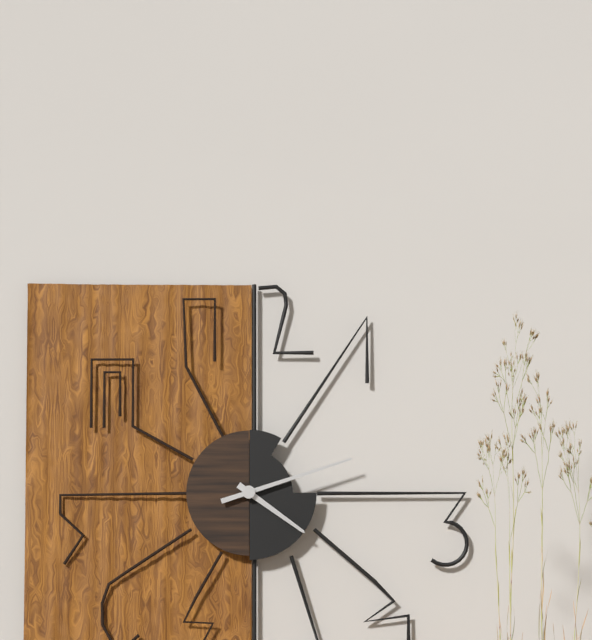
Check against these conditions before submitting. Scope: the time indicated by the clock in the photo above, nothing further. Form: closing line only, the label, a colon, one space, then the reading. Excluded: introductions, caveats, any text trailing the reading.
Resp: 4:12
